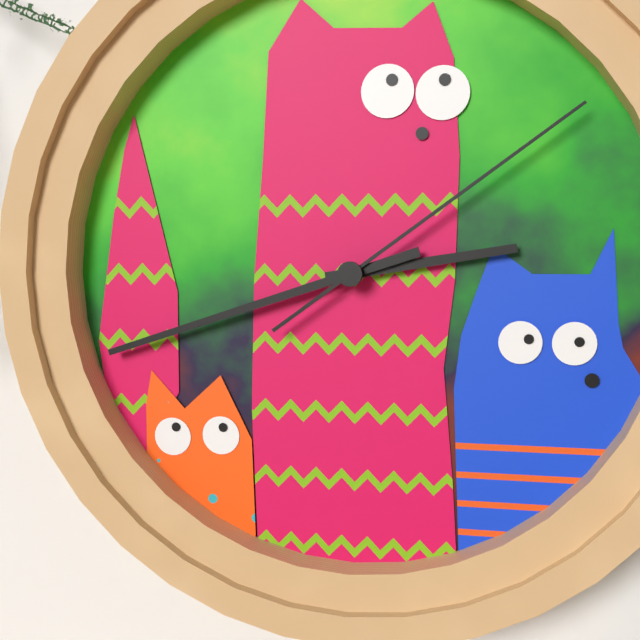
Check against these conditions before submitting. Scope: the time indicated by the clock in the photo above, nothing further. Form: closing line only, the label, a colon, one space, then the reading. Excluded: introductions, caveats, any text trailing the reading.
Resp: 2:42:09
